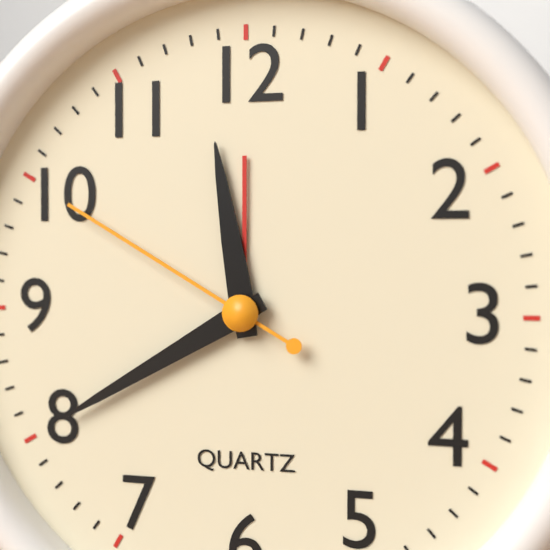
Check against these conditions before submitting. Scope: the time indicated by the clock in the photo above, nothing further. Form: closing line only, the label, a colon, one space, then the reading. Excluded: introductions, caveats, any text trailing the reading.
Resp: 11:40:50
